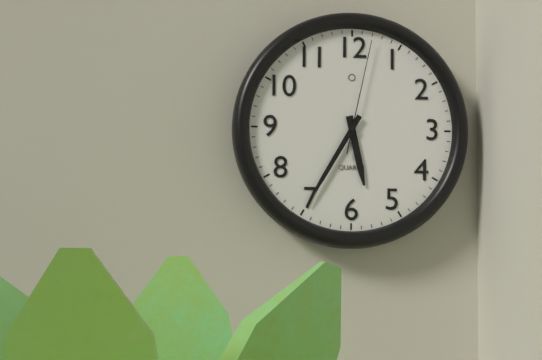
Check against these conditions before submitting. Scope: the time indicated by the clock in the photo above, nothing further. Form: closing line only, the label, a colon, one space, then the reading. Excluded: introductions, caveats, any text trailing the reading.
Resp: 5:35:02
